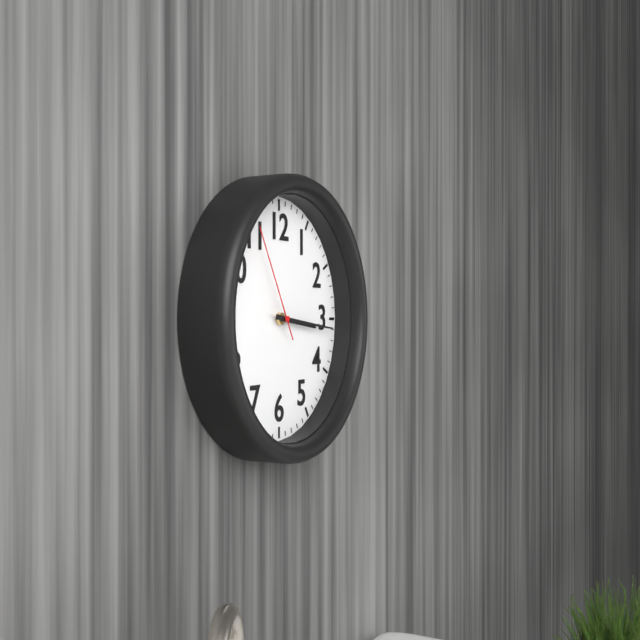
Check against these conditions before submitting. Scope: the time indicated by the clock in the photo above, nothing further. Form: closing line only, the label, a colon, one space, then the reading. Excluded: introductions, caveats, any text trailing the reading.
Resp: 3:16:55
